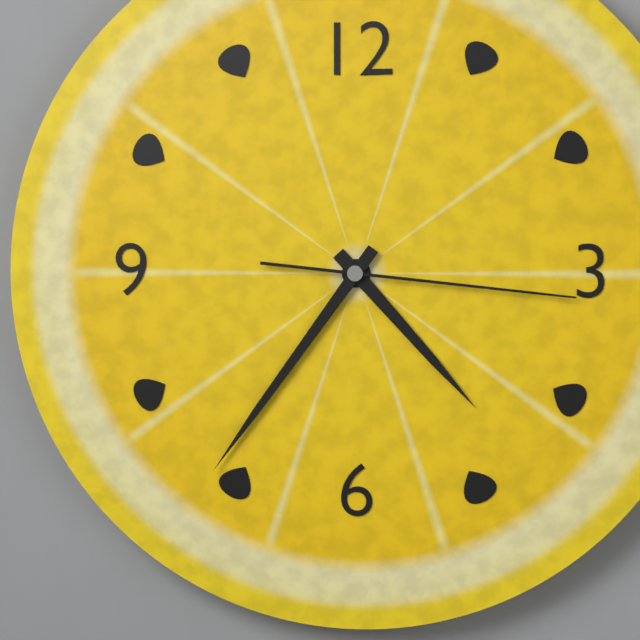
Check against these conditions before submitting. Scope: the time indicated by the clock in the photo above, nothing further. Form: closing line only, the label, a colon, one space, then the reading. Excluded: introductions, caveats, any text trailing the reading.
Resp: 4:36:16
